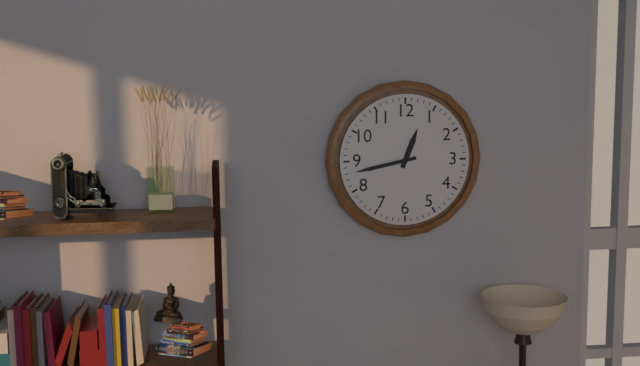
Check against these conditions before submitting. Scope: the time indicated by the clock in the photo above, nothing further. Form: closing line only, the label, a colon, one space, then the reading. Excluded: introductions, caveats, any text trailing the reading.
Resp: 12:43
